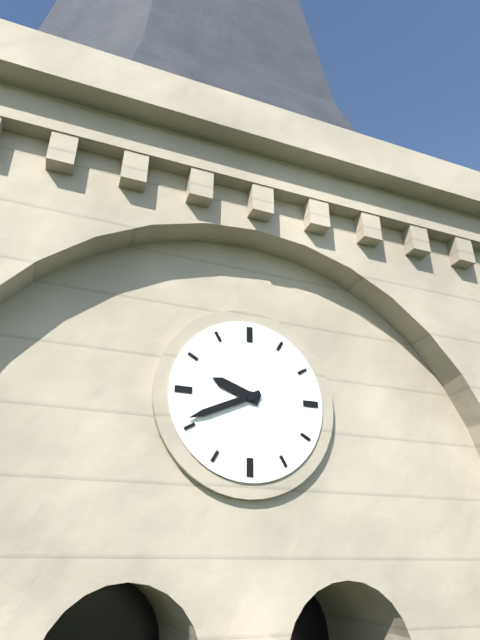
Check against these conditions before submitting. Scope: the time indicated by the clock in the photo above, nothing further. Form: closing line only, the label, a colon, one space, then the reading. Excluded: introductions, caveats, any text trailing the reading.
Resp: 9:41
